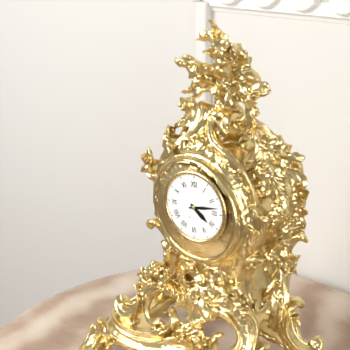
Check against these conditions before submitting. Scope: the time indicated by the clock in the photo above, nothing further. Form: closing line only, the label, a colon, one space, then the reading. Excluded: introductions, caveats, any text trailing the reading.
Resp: 4:13
